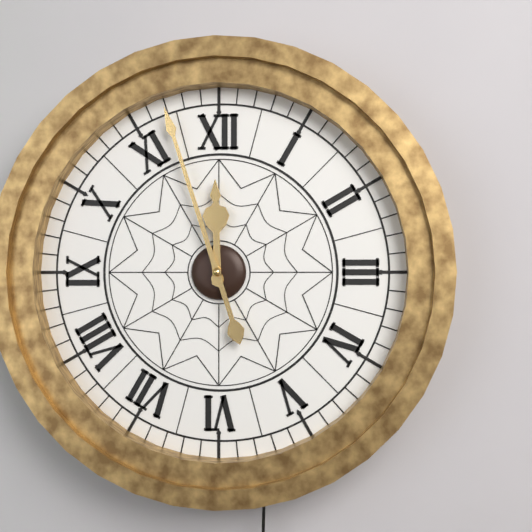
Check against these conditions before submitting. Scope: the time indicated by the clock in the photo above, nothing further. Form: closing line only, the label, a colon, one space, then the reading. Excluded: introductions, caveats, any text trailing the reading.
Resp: 11:57
